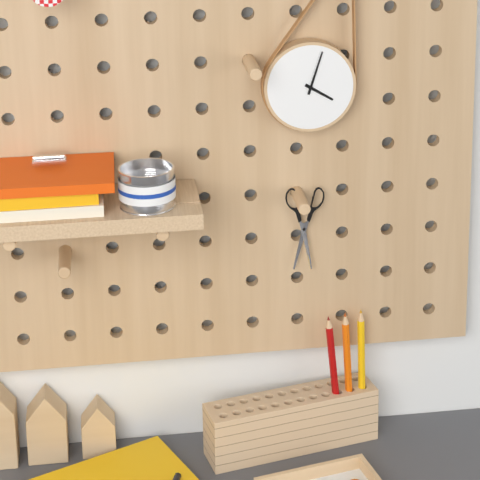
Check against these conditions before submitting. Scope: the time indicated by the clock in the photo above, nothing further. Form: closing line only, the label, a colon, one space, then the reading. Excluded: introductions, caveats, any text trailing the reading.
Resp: 4:03
